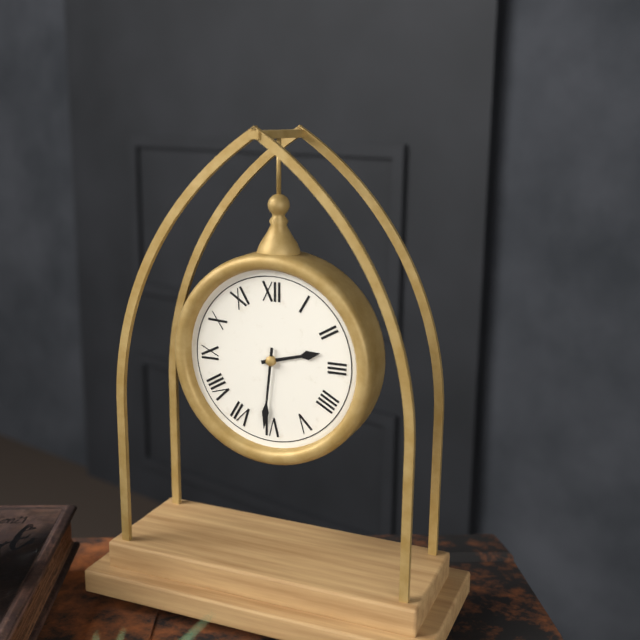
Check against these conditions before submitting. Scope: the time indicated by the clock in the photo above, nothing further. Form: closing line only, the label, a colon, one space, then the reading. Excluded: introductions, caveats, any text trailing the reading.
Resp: 2:31
